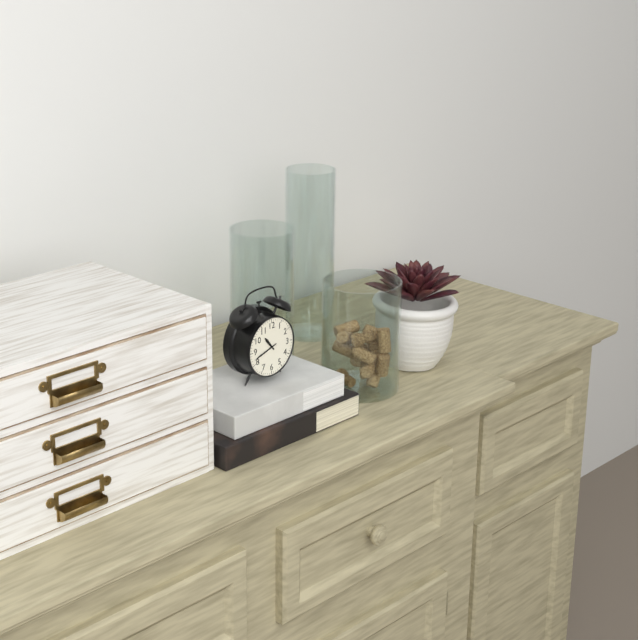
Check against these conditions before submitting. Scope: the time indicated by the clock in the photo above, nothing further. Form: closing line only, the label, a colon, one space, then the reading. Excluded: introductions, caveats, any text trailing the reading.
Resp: 10:42
